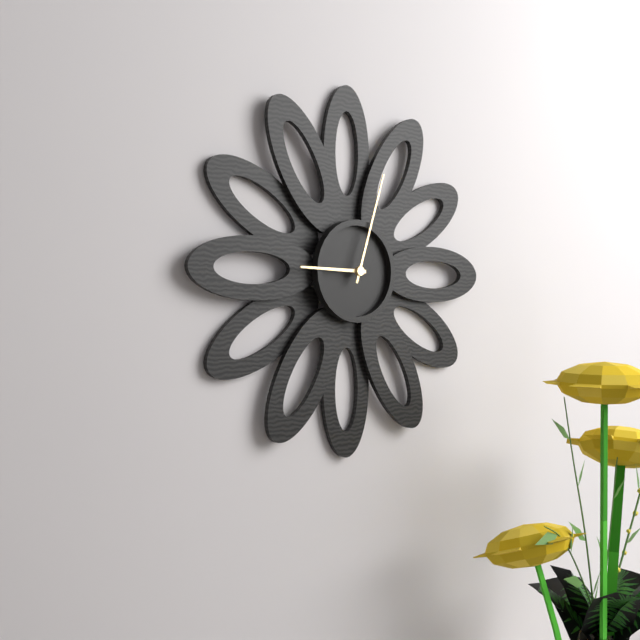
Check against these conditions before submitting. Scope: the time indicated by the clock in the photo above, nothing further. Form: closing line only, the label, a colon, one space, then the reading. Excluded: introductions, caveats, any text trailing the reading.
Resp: 9:03
